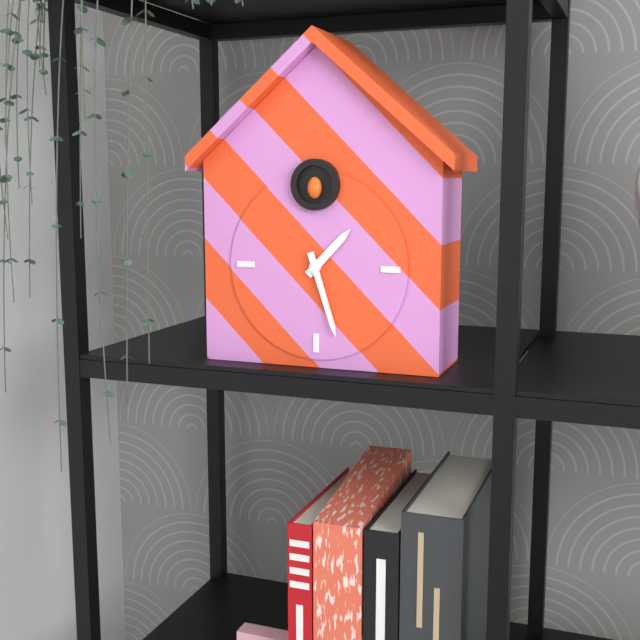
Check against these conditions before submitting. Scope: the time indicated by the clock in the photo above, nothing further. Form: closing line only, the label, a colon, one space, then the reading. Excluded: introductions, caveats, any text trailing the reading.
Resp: 1:27
